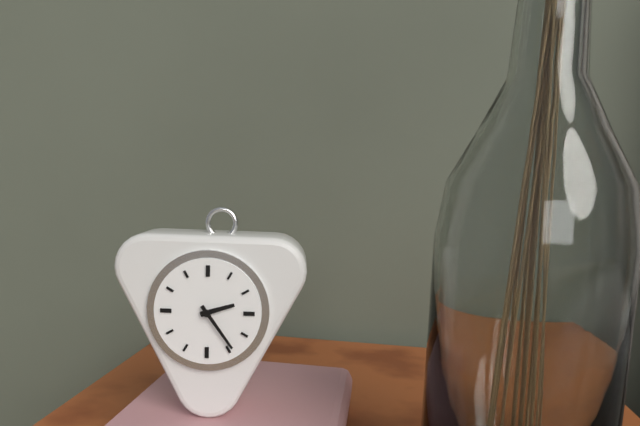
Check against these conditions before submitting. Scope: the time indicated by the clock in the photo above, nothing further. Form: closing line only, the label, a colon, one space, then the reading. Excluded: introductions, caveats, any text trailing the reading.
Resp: 2:24
